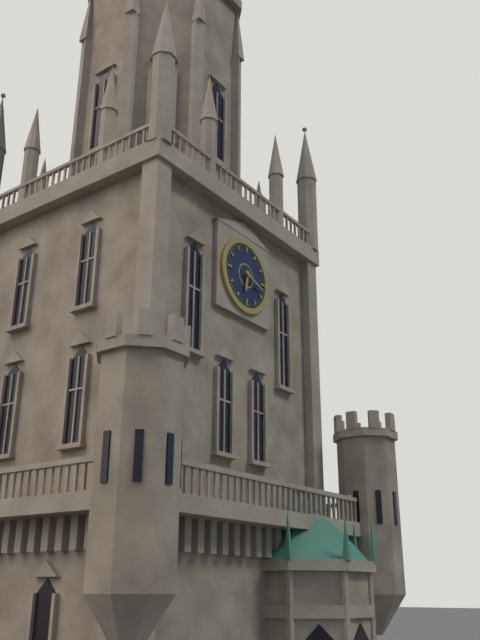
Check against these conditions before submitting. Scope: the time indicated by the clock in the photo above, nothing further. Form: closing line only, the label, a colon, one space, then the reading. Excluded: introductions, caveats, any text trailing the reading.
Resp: 6:18
